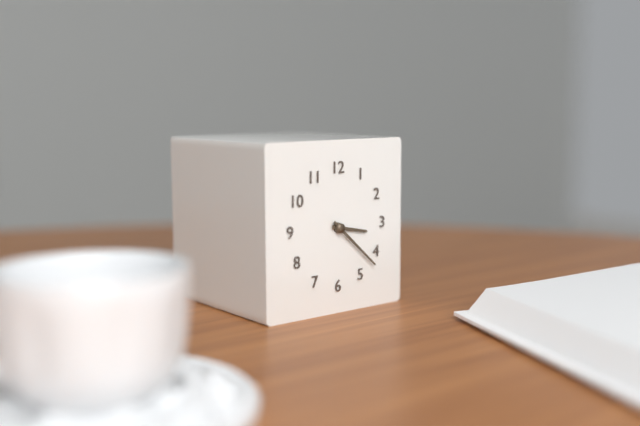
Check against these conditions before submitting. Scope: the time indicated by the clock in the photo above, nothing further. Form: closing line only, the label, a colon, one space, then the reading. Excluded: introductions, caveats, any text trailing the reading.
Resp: 3:22
